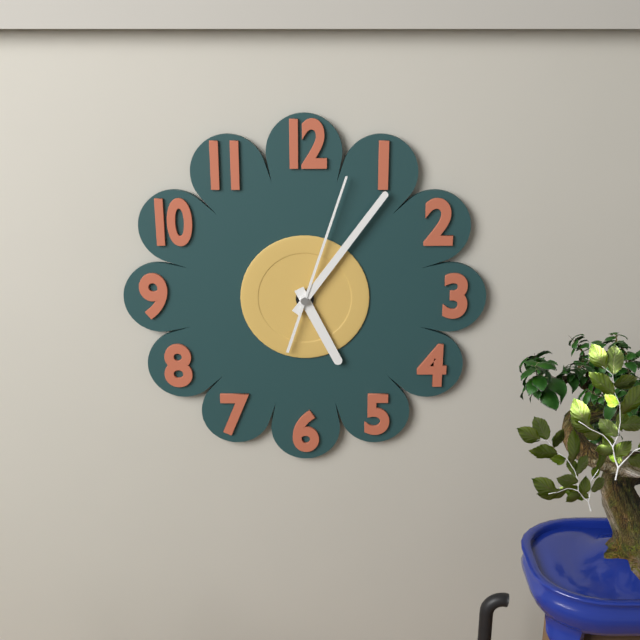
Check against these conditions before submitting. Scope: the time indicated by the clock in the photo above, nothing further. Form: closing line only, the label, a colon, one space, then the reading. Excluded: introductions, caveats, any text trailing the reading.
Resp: 5:06:03
